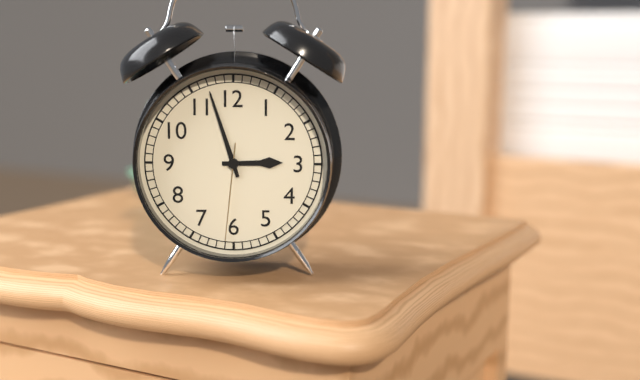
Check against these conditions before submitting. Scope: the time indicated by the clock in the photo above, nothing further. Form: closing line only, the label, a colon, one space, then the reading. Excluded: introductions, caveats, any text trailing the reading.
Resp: 2:57:31
